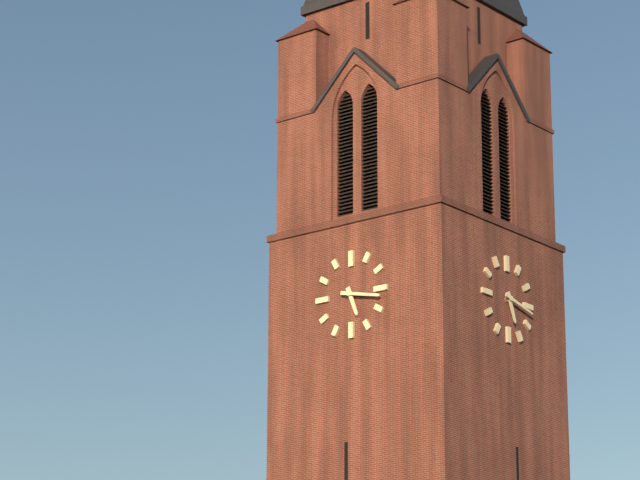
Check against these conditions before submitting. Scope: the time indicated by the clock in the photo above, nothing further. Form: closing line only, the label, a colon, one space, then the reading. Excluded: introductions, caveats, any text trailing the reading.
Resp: 5:17
